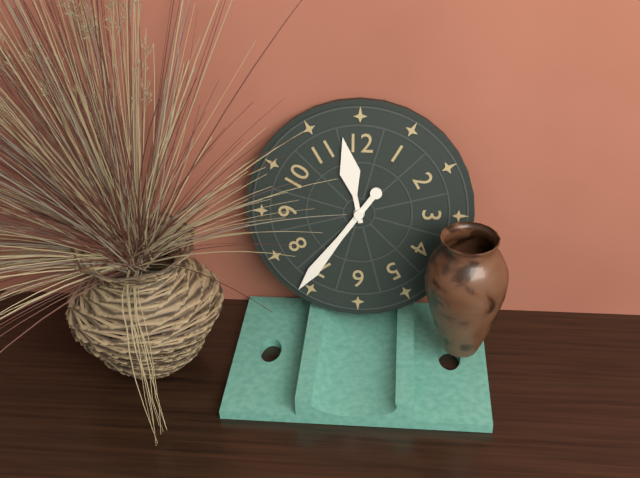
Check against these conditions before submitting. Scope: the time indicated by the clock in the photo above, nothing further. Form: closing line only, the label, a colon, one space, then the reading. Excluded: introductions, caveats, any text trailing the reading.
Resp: 11:36
